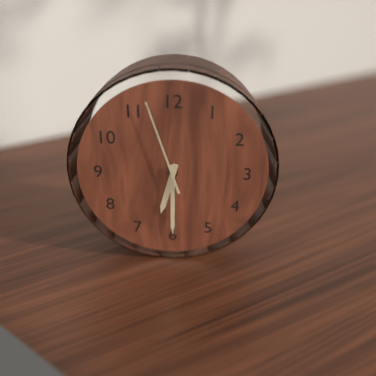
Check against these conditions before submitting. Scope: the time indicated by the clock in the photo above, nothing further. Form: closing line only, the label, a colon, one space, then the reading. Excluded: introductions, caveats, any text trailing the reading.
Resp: 6:30:57
